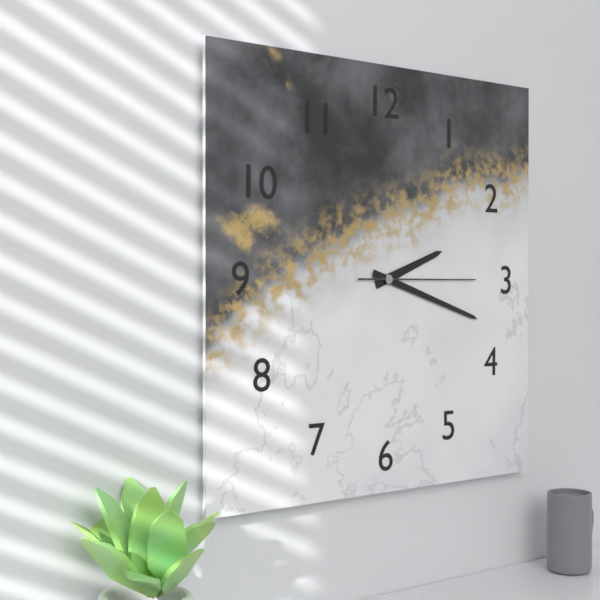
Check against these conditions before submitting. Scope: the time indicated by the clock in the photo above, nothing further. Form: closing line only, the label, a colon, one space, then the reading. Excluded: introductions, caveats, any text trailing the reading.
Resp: 2:18:15
